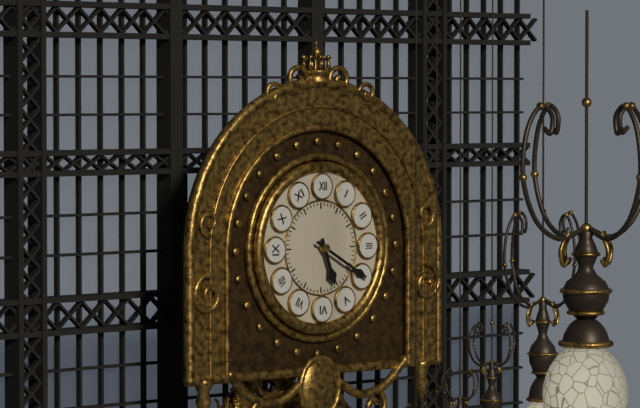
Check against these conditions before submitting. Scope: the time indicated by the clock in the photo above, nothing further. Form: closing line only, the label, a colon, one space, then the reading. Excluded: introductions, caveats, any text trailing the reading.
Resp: 5:20
